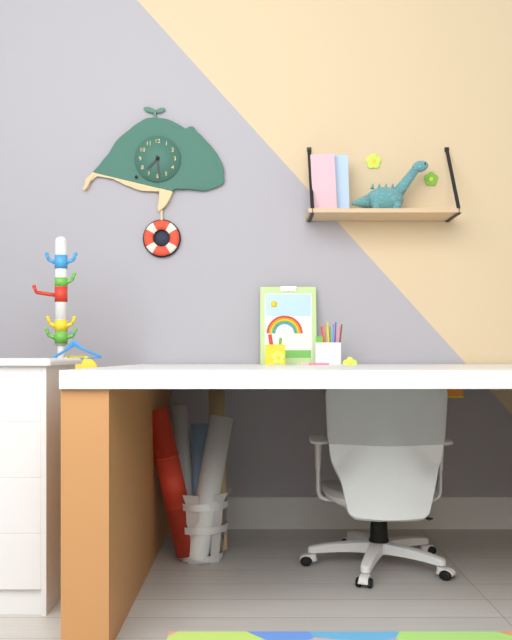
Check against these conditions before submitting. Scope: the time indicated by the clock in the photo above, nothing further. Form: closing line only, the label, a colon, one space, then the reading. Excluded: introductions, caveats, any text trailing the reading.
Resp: 7:29
